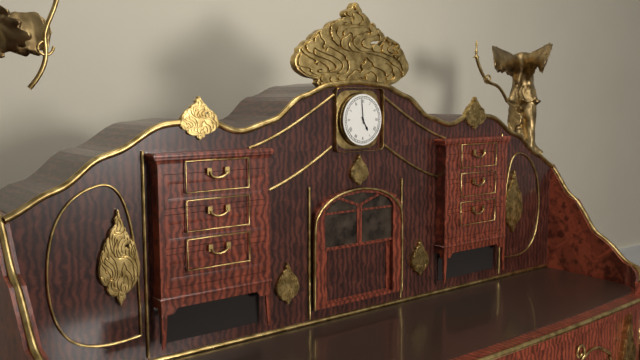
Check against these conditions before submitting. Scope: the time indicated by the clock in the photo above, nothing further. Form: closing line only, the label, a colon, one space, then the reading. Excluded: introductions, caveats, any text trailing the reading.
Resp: 4:59
